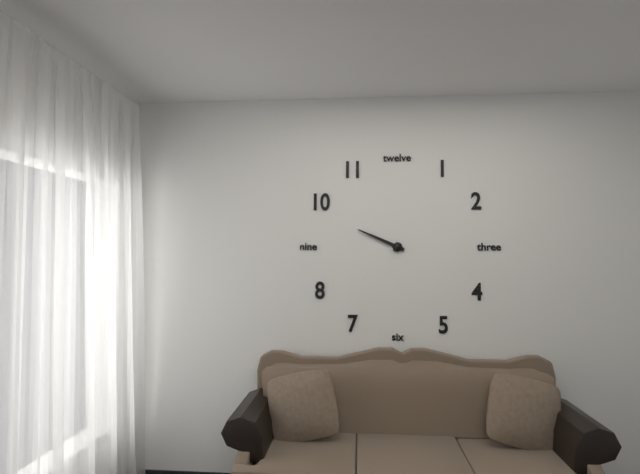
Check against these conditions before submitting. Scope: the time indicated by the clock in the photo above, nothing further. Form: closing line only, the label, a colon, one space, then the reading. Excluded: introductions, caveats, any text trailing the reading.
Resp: 9:49
